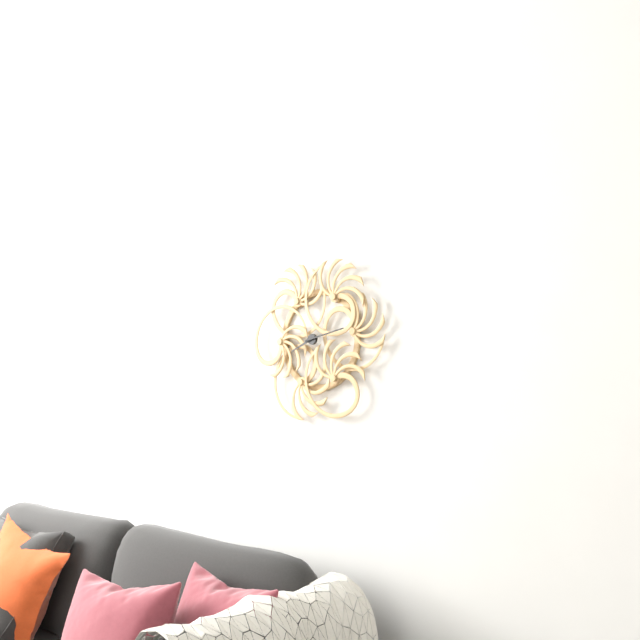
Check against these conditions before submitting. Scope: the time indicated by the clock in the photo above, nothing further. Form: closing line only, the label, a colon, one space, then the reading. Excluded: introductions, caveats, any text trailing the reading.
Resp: 8:13
